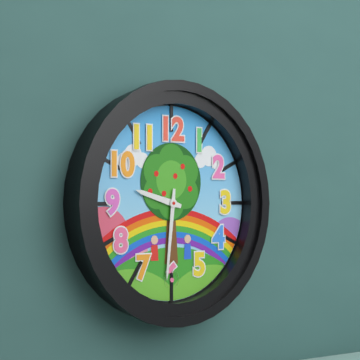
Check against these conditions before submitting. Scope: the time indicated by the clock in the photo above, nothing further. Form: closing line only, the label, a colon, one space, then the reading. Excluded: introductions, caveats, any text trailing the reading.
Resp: 9:31
